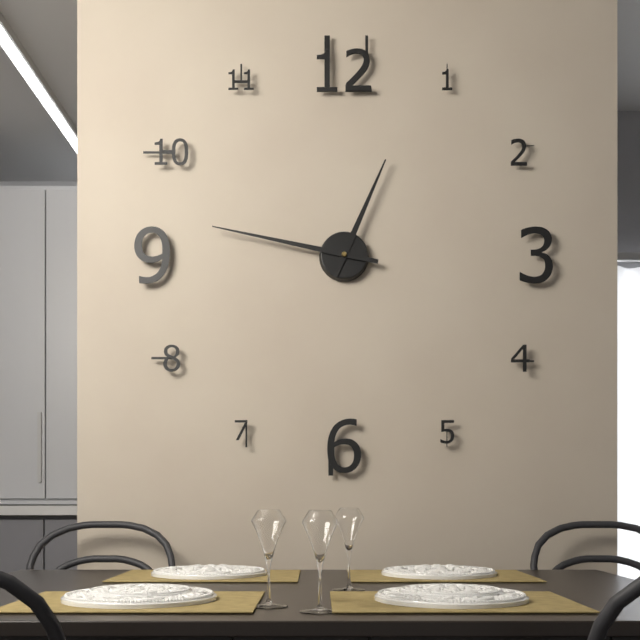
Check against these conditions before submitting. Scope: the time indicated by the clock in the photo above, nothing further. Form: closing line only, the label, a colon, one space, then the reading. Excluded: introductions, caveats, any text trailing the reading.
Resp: 12:47
